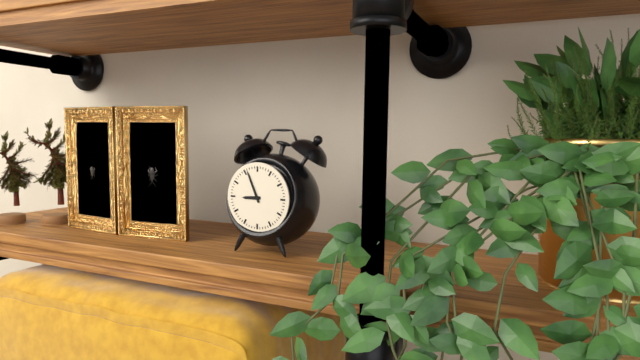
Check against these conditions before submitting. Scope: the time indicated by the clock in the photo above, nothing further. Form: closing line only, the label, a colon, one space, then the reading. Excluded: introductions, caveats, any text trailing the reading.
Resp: 8:56
